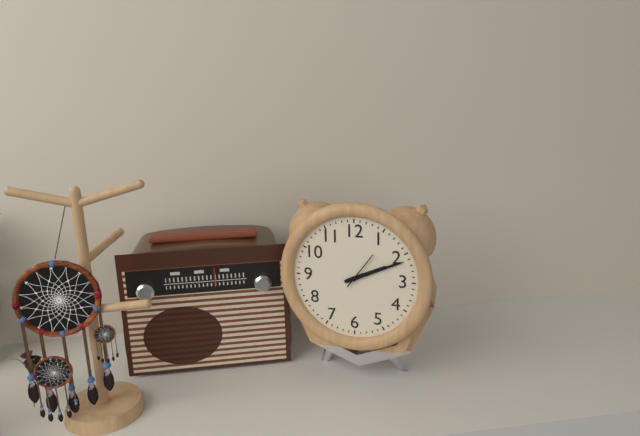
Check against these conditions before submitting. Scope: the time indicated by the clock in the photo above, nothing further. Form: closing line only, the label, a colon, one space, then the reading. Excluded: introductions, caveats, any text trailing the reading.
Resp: 2:11
